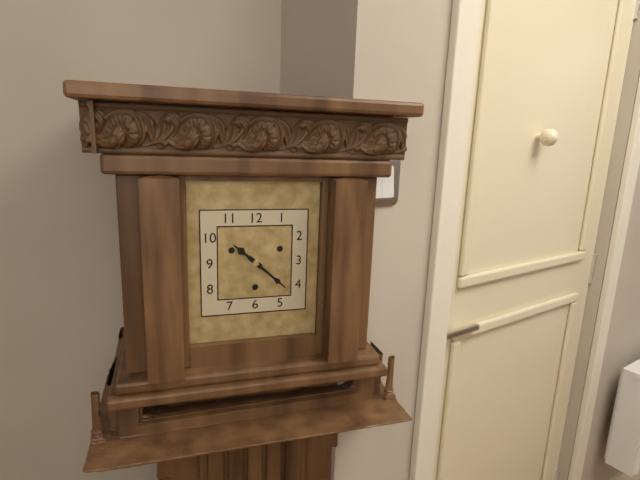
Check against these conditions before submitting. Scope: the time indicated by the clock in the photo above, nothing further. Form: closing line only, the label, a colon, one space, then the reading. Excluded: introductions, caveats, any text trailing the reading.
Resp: 10:22
